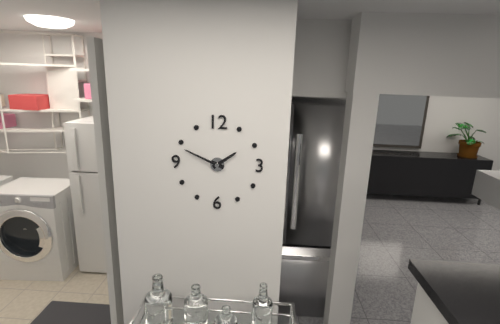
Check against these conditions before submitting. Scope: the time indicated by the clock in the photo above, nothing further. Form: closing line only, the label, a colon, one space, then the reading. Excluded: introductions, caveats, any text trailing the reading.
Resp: 1:49
